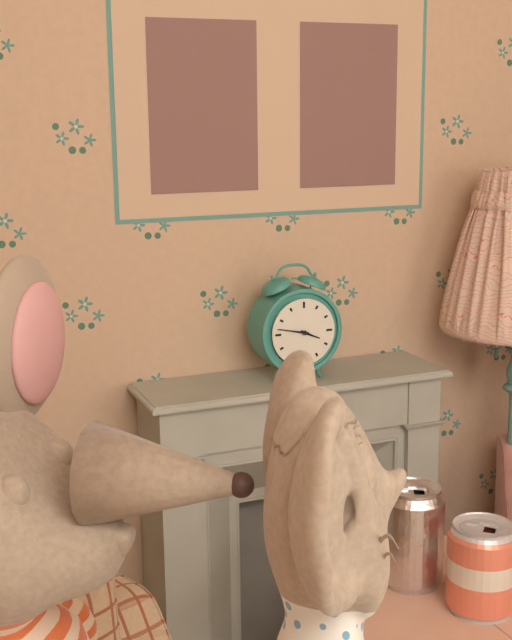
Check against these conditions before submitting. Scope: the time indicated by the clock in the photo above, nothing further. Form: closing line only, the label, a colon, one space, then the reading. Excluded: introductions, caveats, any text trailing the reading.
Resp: 3:47
